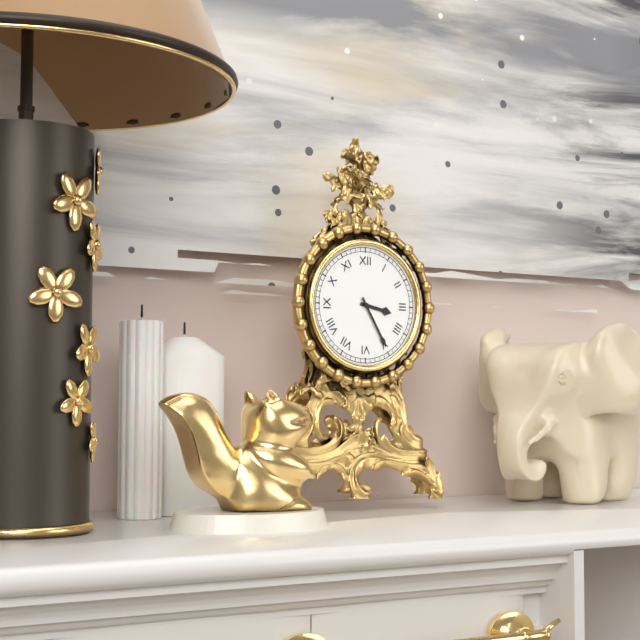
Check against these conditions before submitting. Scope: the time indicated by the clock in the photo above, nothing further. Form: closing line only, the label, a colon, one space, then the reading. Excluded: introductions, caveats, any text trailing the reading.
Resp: 3:25
